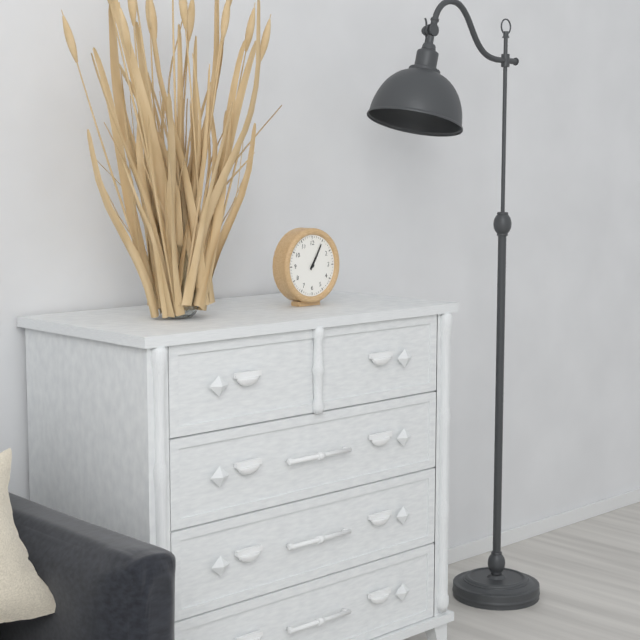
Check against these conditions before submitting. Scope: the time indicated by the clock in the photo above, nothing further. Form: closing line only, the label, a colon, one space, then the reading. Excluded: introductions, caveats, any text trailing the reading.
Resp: 1:05
